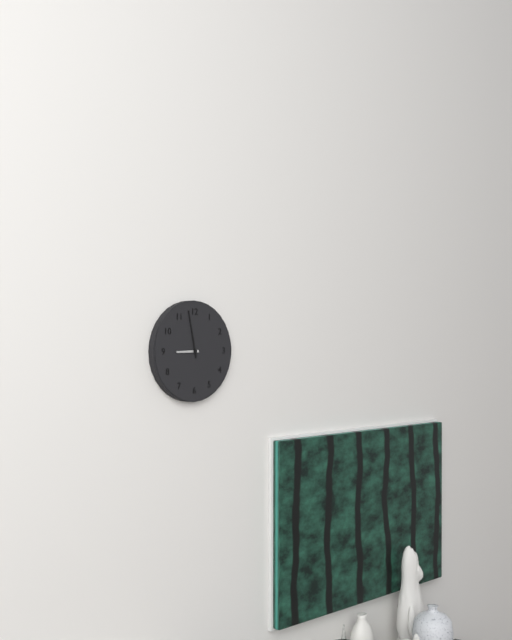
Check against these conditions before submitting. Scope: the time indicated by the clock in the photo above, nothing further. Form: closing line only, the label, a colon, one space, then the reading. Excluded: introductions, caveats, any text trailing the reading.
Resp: 8:58
